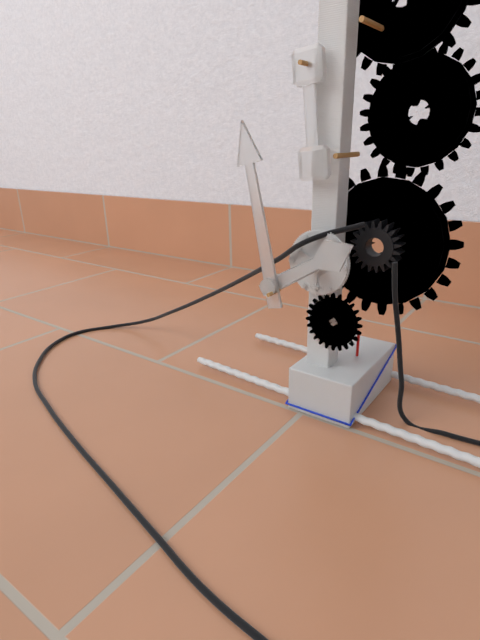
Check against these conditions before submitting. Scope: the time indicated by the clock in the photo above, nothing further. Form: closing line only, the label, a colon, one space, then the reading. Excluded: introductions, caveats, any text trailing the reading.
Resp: 1:58
